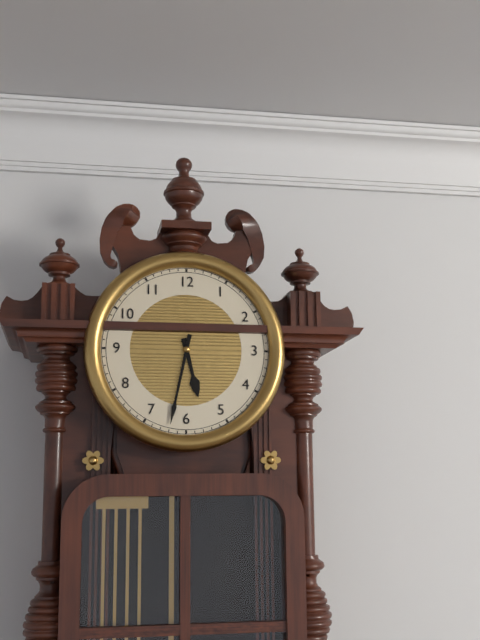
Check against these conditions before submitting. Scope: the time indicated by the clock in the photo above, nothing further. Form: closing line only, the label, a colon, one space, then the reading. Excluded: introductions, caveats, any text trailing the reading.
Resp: 5:32
